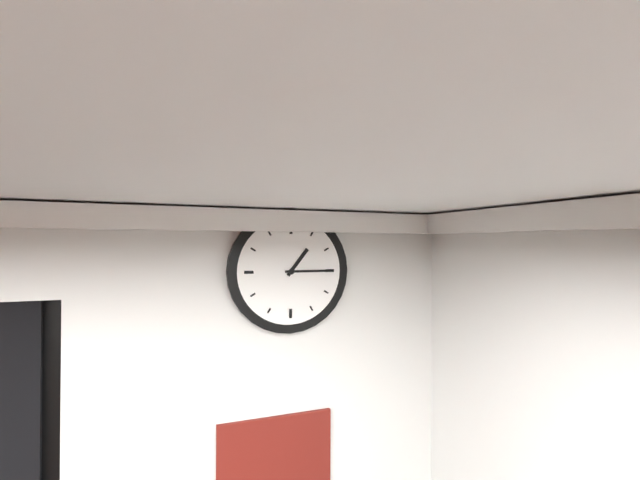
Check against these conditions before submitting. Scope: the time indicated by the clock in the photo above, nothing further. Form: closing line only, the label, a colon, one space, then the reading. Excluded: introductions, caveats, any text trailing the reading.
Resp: 1:15
